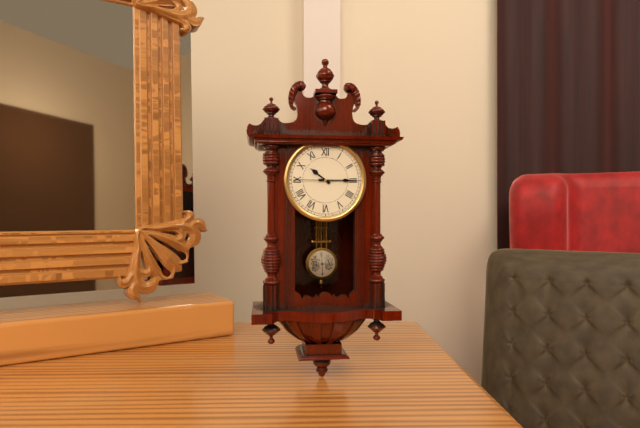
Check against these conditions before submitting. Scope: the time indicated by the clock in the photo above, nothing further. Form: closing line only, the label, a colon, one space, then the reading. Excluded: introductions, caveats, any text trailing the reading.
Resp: 10:15
